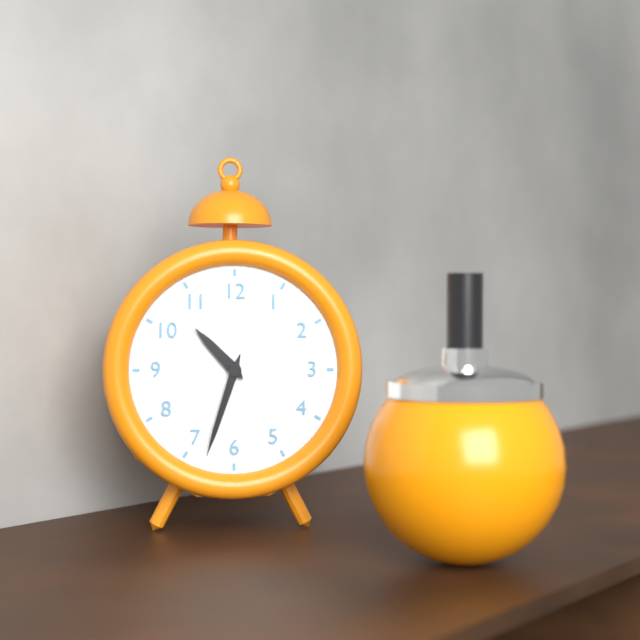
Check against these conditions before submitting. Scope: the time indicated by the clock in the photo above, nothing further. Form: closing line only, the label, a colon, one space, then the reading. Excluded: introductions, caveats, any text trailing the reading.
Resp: 10:33
